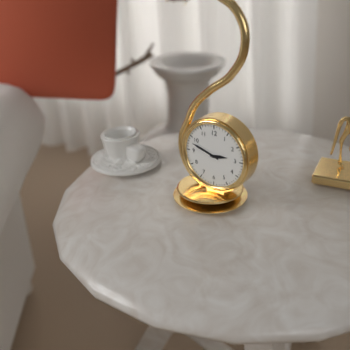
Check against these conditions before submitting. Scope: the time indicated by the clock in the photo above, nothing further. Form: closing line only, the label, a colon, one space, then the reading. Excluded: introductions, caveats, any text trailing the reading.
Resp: 2:48
